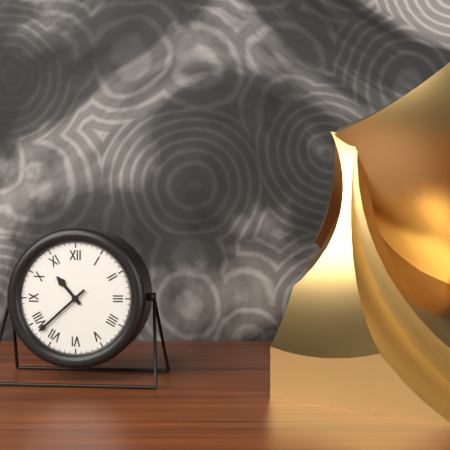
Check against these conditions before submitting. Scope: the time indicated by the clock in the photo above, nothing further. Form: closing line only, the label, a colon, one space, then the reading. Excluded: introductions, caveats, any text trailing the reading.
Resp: 10:38
